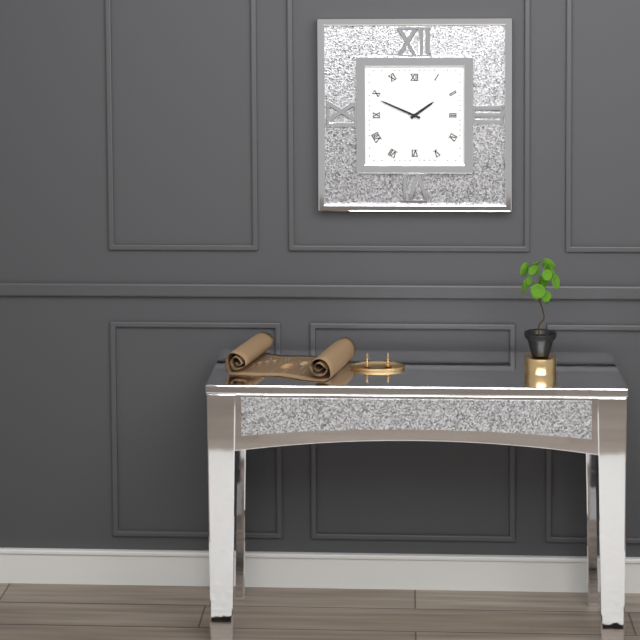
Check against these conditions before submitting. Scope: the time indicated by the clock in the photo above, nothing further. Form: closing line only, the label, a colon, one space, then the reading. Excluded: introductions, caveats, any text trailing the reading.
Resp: 1:49
